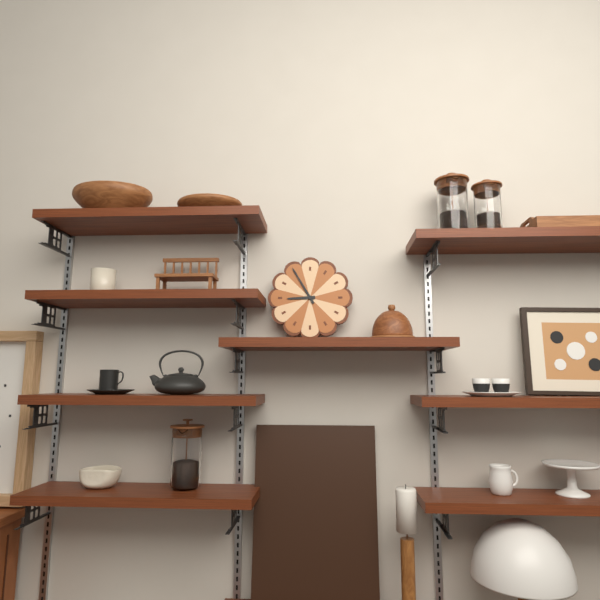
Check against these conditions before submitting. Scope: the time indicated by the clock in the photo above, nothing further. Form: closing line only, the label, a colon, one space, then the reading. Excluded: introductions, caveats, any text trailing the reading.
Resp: 8:55
